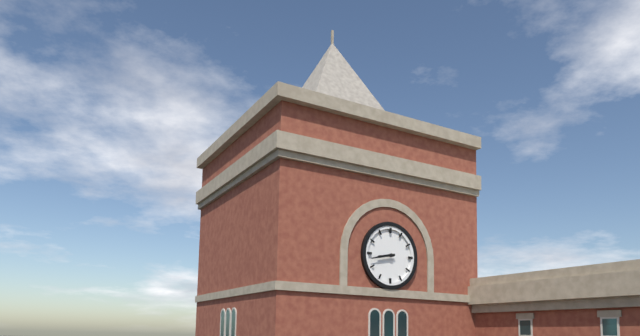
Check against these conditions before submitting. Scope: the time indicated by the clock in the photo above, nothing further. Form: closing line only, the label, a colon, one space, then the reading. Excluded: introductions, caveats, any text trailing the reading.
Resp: 8:43
